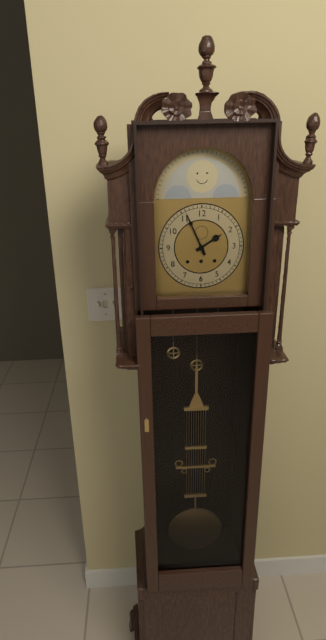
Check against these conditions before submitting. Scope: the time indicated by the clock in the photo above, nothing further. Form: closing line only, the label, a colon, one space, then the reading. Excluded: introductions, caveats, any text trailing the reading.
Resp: 1:56
